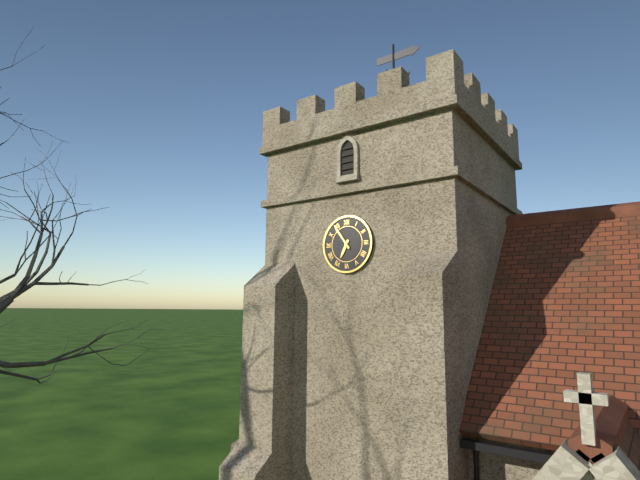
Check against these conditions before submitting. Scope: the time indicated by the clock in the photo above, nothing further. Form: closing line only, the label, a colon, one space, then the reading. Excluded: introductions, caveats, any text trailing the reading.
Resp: 6:54
